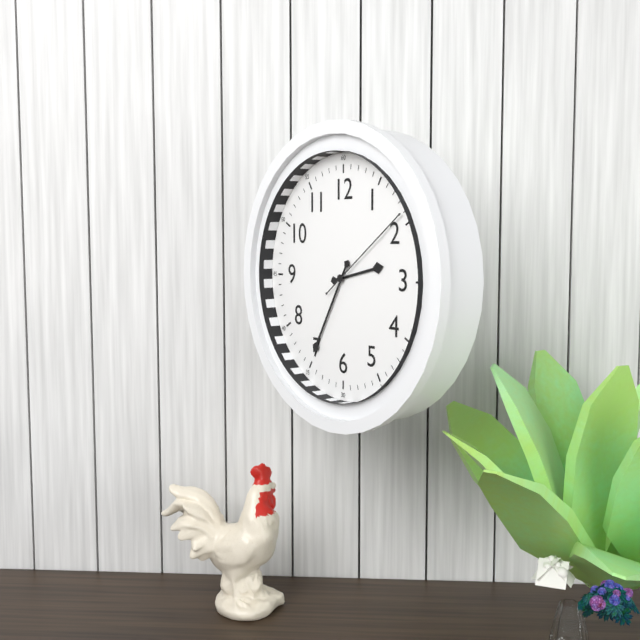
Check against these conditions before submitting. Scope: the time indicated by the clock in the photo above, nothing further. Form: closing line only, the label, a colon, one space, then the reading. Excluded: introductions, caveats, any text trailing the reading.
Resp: 2:35:09
